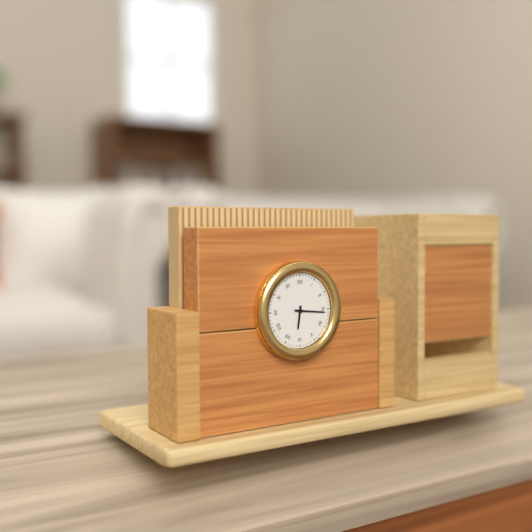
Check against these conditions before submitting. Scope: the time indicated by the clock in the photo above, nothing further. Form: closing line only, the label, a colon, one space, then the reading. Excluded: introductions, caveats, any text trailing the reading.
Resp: 6:16
